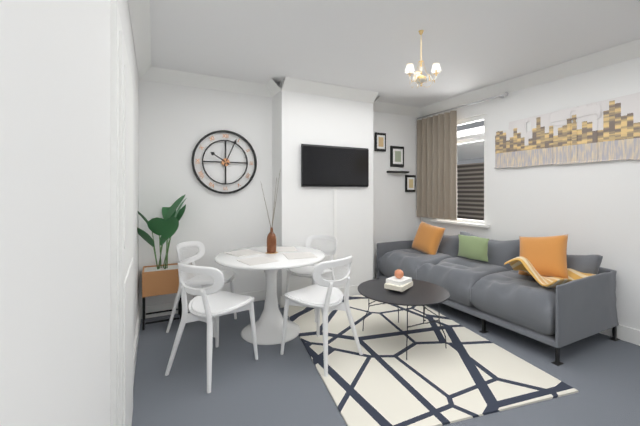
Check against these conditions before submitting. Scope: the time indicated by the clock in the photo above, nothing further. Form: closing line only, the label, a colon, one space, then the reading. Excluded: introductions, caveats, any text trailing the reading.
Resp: 10:04
